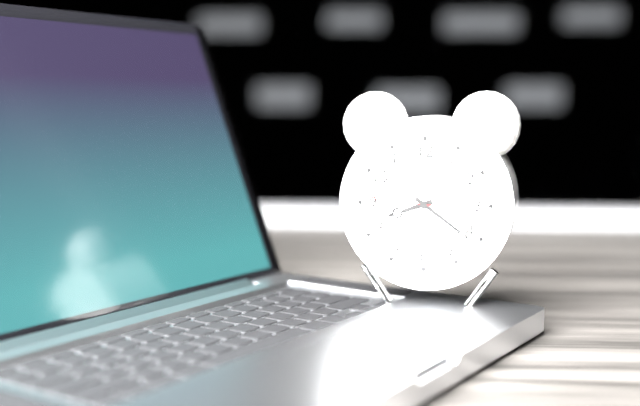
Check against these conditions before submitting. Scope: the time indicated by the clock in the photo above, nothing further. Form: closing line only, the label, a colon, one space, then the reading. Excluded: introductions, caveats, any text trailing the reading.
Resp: 8:21:46
